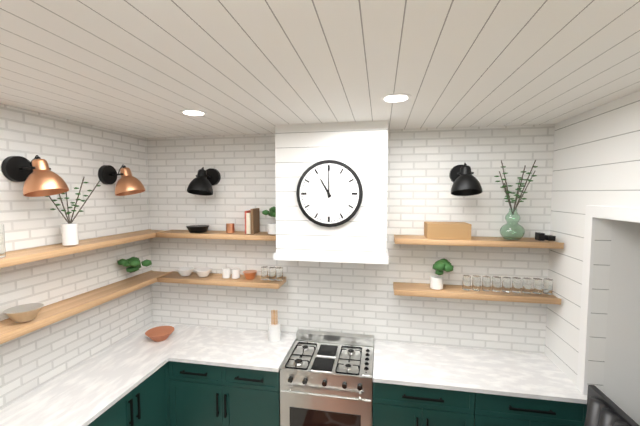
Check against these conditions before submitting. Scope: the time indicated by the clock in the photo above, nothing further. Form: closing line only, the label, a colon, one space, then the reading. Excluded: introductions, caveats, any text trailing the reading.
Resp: 11:00
